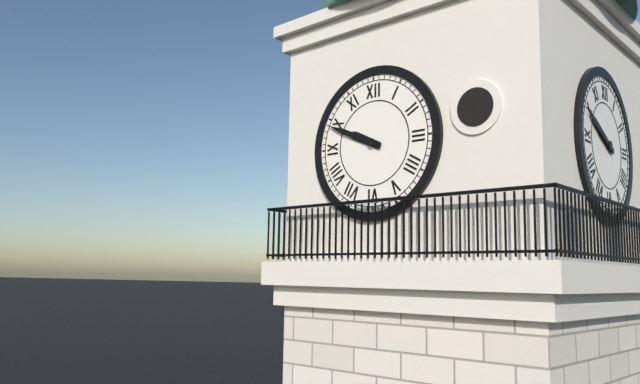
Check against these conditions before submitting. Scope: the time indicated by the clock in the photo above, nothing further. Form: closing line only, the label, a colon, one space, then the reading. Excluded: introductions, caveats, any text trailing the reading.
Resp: 9:49
